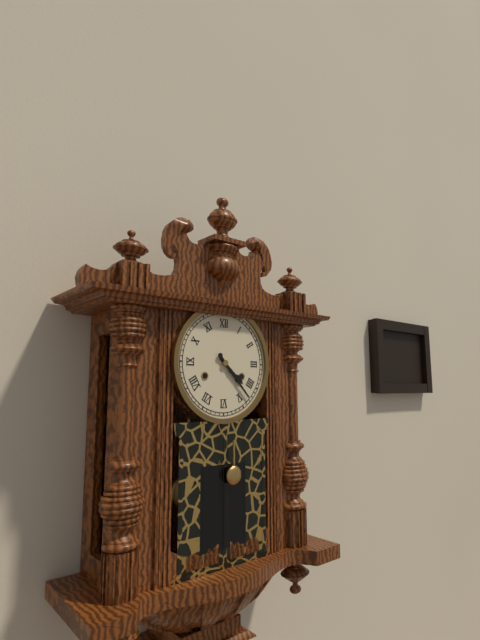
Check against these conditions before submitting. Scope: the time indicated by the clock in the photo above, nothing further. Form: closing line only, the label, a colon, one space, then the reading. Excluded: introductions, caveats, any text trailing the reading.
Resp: 4:23
